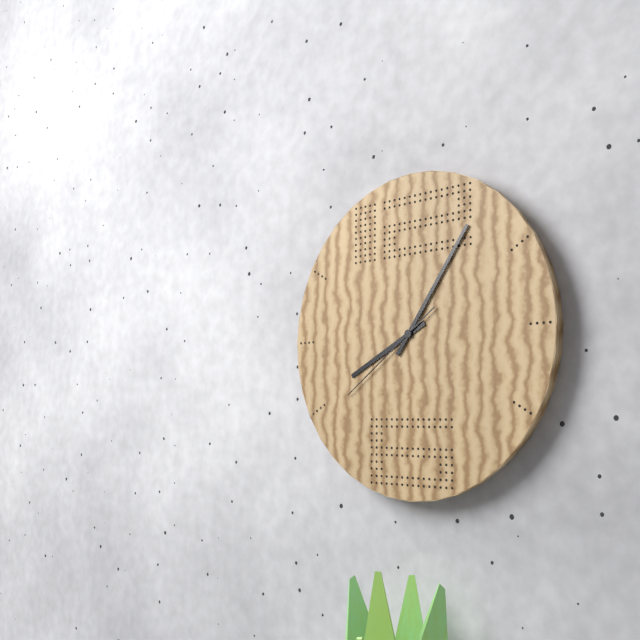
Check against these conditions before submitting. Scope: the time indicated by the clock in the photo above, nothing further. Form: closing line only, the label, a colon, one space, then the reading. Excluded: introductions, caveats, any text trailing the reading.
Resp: 8:06:39
